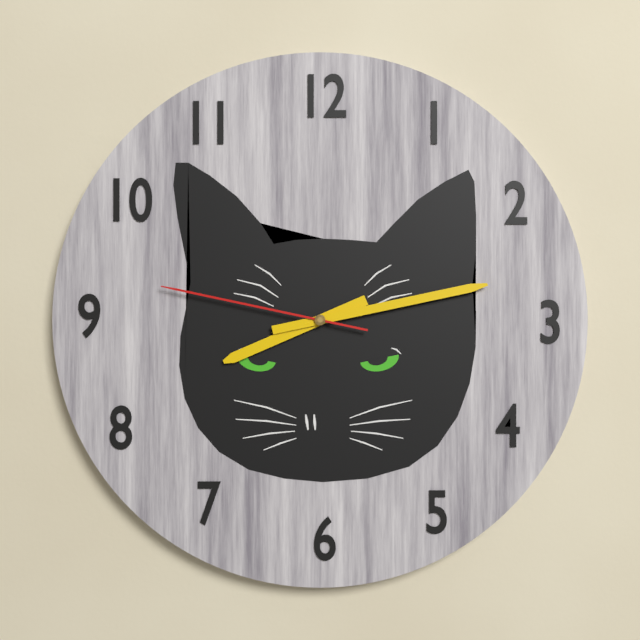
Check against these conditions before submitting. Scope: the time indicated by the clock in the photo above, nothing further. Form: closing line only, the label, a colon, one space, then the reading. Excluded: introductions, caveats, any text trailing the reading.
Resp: 8:13:47
